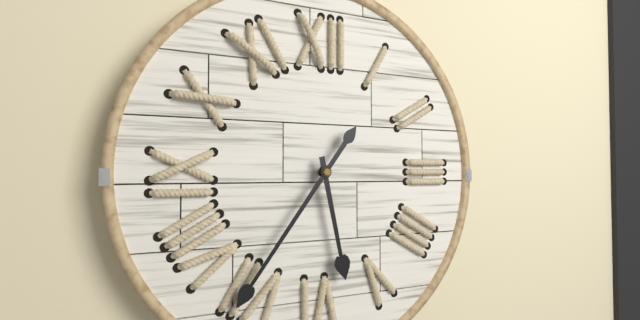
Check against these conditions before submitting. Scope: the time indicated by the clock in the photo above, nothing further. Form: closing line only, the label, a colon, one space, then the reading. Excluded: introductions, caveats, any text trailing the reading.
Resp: 5:36
